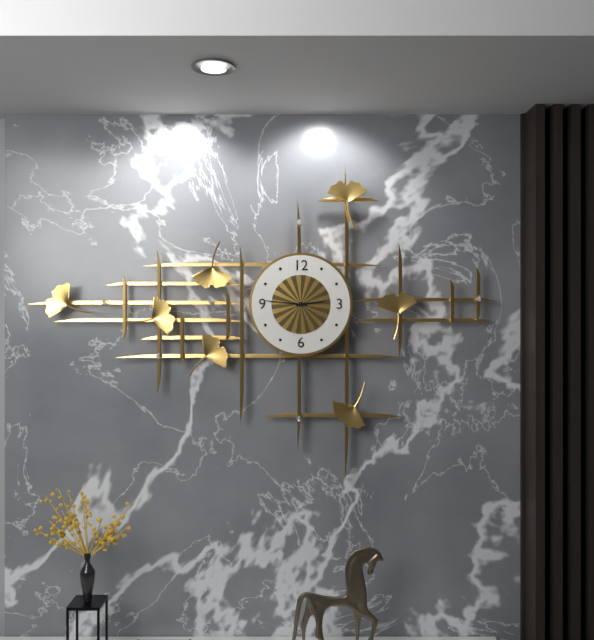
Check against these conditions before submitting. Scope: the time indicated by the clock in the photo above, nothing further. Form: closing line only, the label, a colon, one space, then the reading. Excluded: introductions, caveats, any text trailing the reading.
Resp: 2:46
